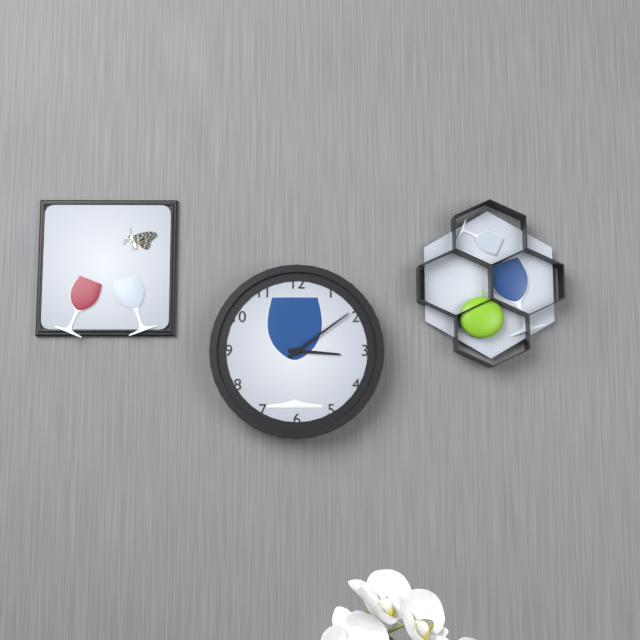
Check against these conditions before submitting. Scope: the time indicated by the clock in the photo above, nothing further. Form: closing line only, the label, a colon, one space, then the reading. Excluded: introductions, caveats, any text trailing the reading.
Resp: 3:09
